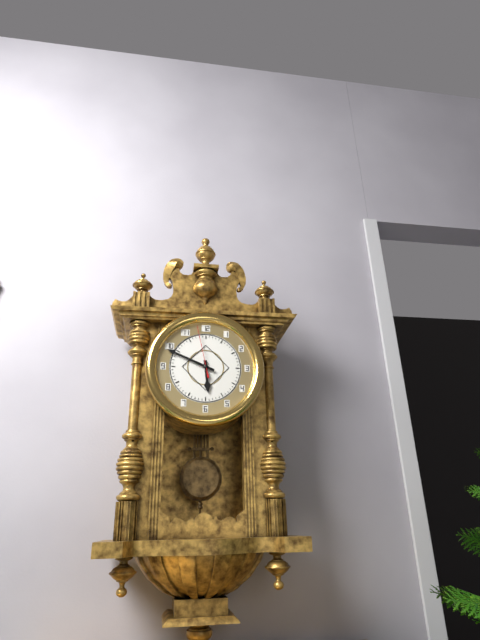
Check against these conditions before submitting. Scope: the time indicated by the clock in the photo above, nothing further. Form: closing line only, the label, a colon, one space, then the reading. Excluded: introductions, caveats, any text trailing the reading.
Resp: 5:49:58
